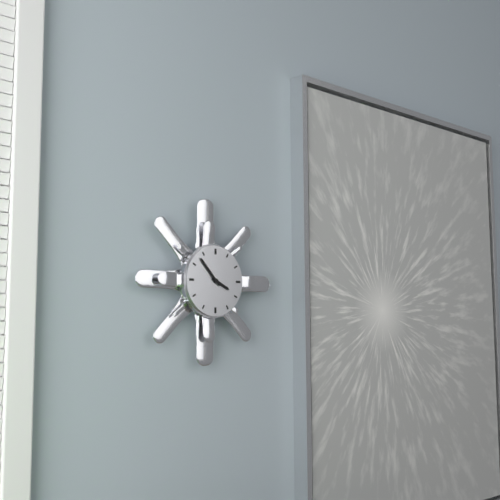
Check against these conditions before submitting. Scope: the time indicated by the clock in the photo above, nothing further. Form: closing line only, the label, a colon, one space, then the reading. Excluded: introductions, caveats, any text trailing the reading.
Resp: 3:53
